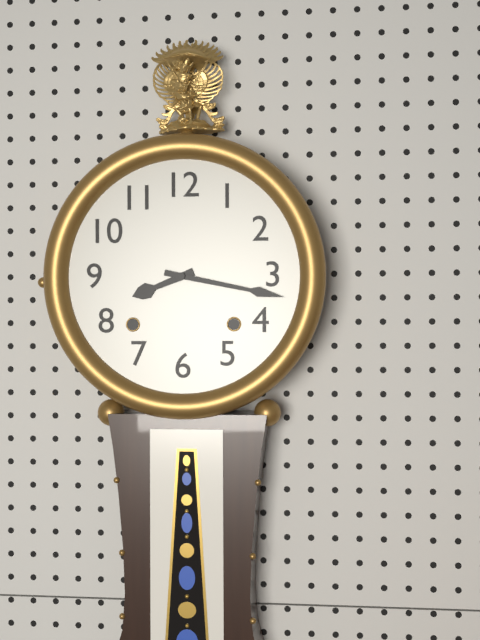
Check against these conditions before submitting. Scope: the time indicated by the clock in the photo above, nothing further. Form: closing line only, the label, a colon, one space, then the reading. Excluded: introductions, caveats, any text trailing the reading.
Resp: 8:17
